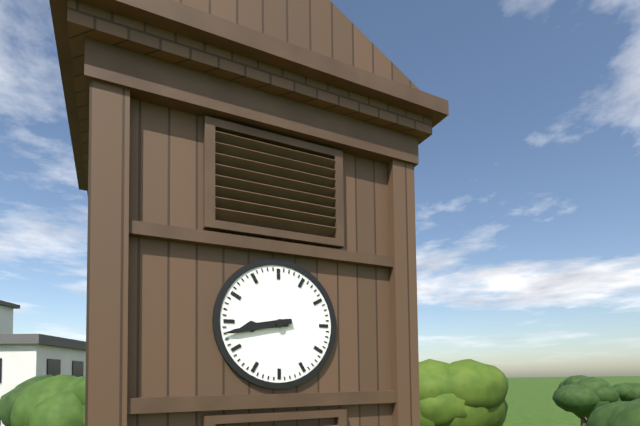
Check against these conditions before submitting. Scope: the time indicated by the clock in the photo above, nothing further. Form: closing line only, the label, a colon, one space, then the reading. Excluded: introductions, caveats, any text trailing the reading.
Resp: 8:43
